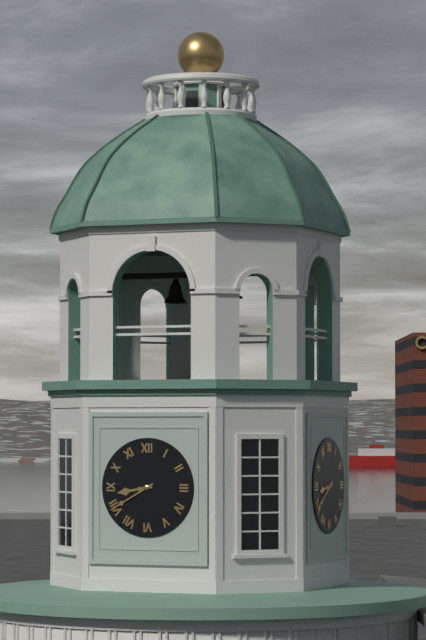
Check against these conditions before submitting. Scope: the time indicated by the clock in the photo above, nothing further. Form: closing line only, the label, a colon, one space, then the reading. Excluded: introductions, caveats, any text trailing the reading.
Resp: 8:40
